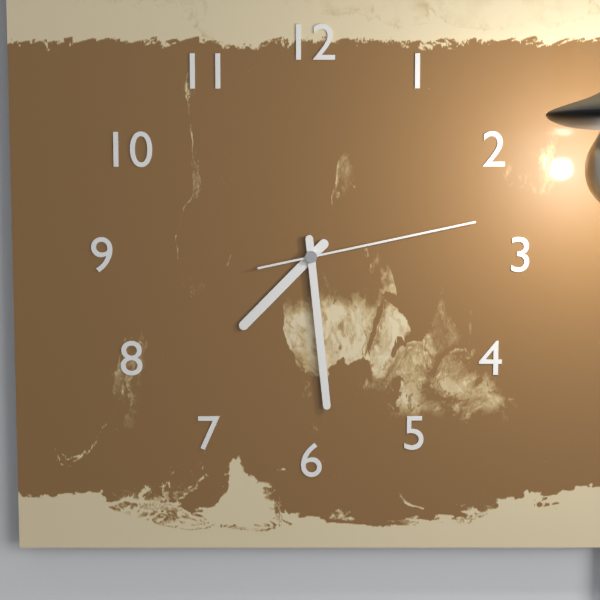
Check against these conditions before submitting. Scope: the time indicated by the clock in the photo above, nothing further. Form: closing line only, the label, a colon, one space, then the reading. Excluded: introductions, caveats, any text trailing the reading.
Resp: 7:29:13
